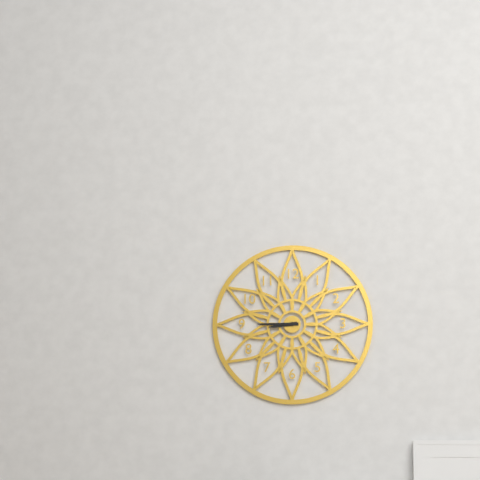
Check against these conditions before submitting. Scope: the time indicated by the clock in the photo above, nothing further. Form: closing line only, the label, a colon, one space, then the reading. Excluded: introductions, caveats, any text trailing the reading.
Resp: 8:45
